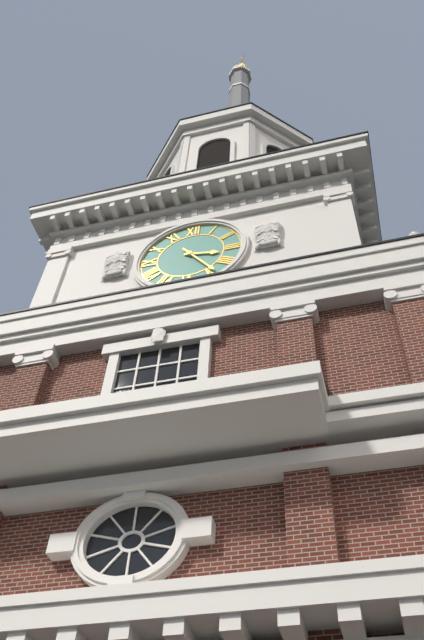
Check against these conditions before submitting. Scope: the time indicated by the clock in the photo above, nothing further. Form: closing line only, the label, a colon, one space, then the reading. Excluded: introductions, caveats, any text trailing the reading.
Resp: 3:24
